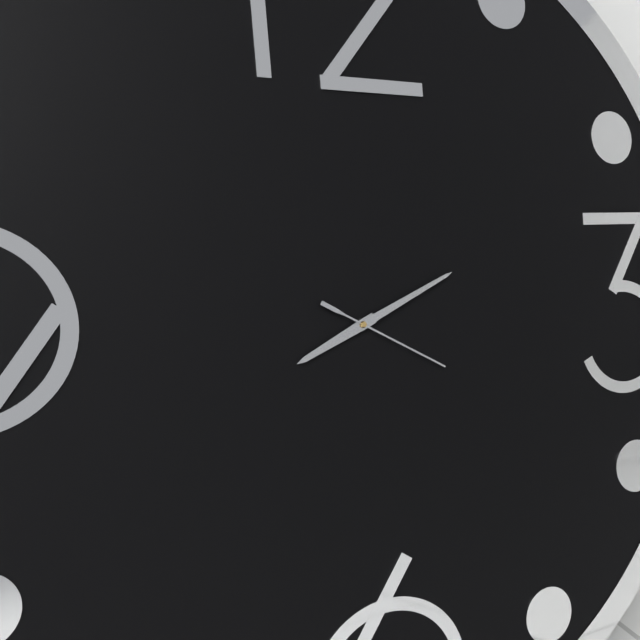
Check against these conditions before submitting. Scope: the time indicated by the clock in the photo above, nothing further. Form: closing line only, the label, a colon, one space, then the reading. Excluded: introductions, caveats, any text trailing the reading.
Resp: 8:11:20
